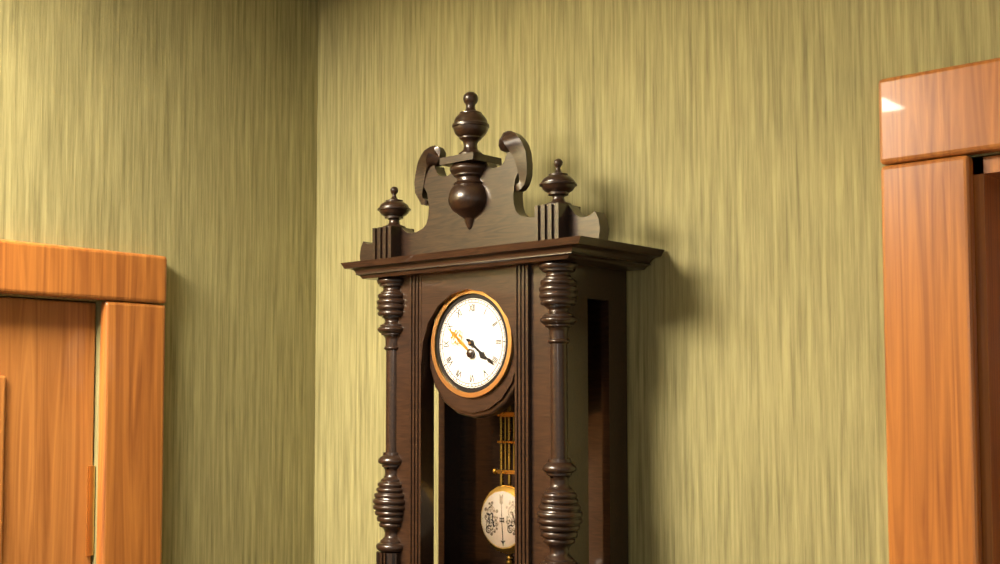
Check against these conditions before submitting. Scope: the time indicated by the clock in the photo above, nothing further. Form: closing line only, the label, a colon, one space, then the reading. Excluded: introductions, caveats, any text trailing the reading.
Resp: 4:21
